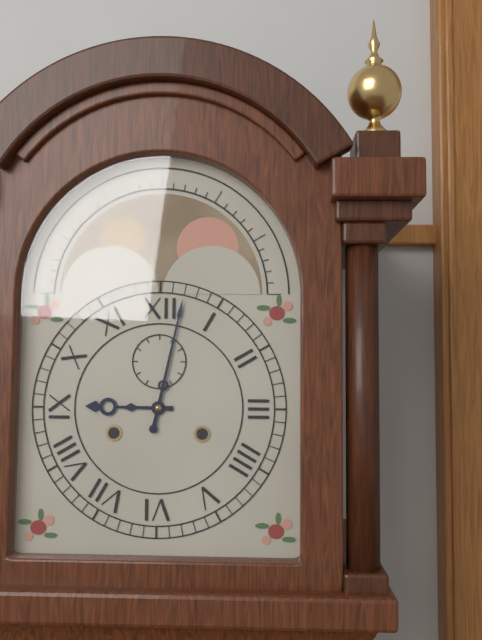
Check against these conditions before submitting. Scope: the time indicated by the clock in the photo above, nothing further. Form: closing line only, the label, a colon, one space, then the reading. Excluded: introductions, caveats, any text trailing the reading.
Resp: 9:02
